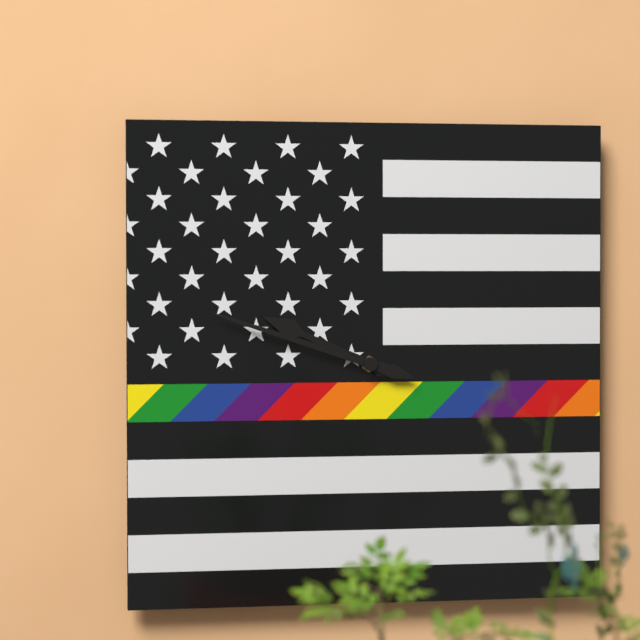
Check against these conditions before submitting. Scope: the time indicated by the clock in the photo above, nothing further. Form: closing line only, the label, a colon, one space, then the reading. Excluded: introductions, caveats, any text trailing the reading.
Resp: 9:48
